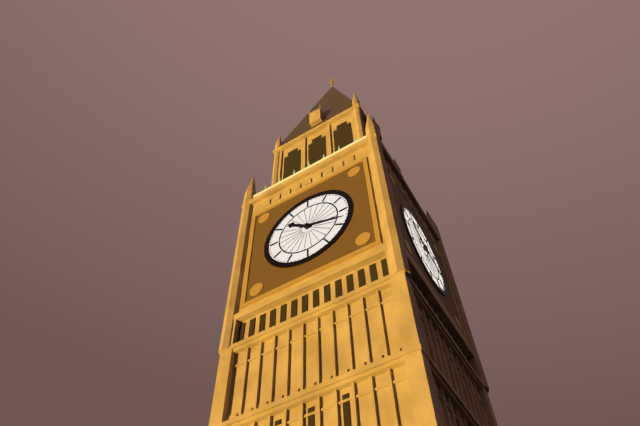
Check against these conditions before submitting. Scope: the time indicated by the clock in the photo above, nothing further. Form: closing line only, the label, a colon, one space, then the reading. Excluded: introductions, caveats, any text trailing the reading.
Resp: 10:18
